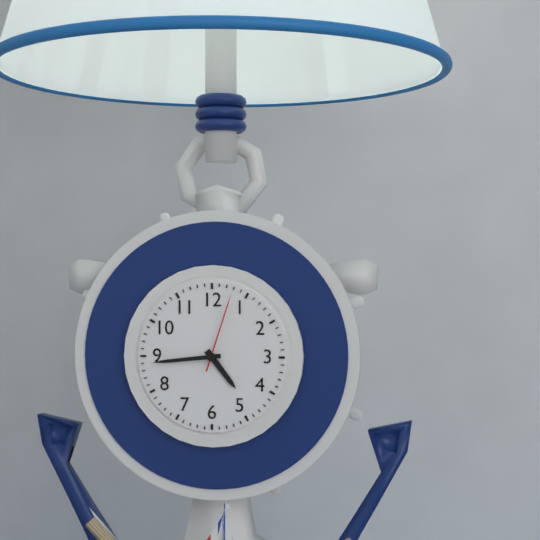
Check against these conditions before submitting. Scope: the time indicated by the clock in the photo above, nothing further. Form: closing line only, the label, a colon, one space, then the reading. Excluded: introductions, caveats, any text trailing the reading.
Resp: 4:44:03
